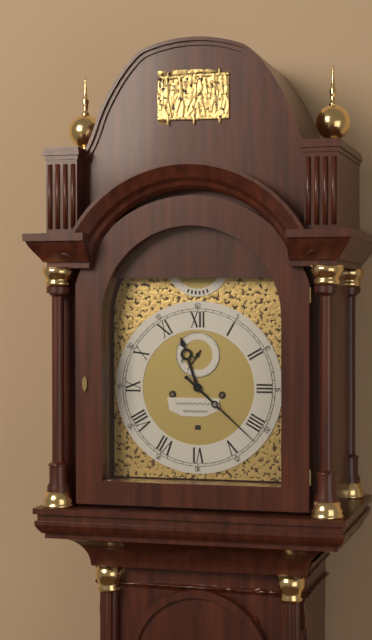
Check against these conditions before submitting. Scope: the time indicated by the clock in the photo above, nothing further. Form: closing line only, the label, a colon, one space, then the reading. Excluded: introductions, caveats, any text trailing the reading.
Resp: 11:22
